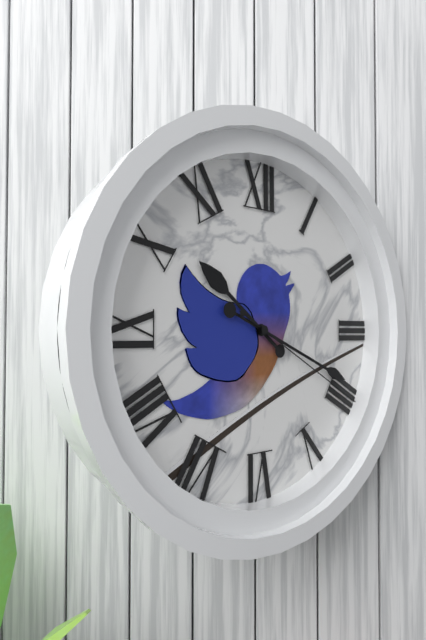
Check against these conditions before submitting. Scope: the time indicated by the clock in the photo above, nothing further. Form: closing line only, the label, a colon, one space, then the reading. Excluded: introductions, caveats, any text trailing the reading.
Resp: 10:19:20
